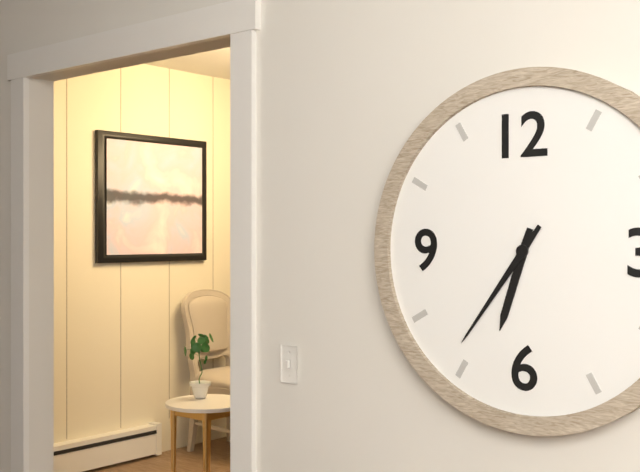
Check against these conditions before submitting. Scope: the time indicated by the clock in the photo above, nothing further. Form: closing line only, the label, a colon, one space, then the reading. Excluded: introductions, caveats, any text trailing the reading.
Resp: 6:36
